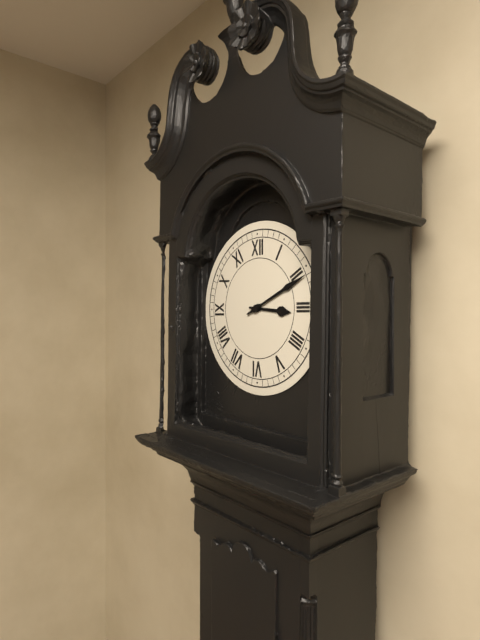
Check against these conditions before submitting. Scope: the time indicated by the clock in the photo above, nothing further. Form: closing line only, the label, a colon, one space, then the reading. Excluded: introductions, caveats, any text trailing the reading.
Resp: 3:11
